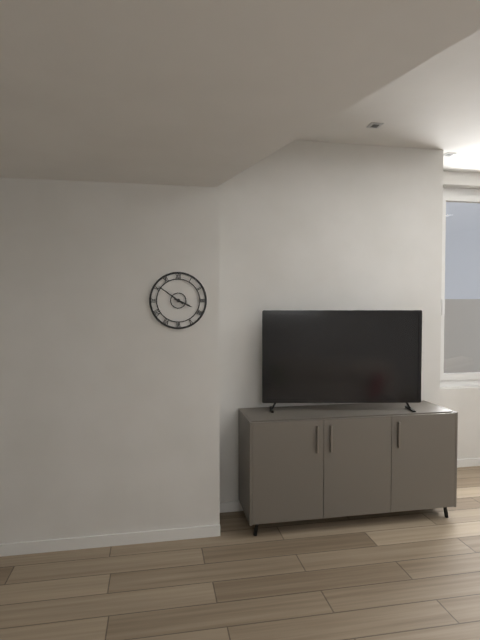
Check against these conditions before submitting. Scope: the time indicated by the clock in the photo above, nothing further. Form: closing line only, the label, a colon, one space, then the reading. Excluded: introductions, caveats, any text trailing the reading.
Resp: 3:51
